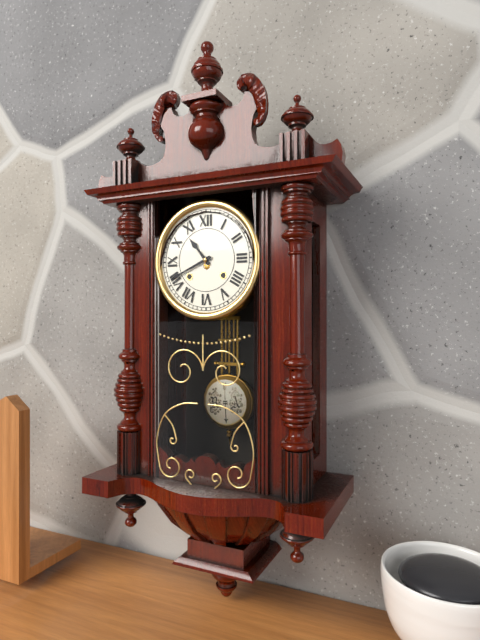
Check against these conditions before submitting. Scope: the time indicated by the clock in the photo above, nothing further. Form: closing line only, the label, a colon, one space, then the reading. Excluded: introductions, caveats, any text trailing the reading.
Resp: 10:41
